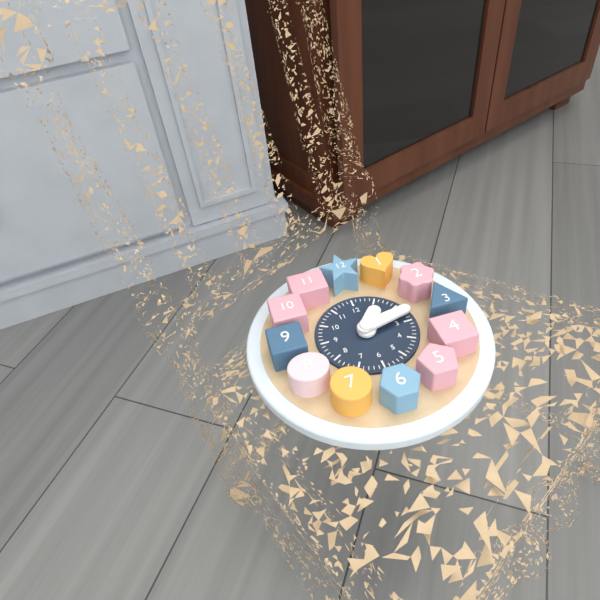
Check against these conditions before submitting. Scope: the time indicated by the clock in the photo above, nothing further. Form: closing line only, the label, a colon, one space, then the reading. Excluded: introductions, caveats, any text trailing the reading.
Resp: 1:13
